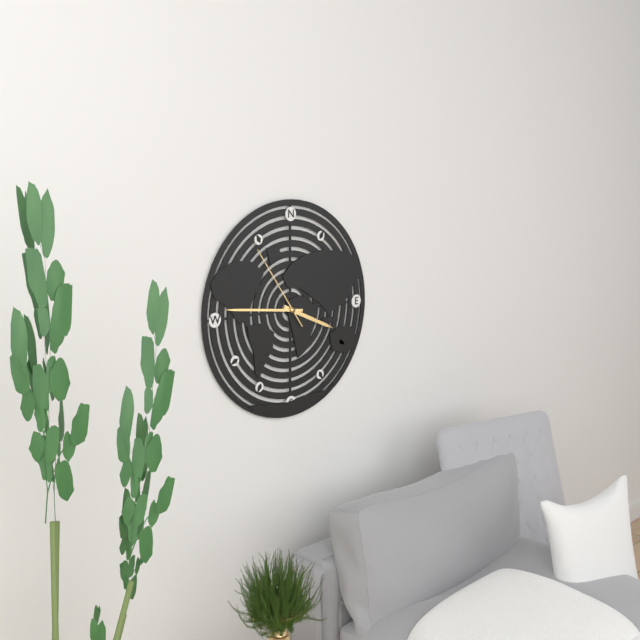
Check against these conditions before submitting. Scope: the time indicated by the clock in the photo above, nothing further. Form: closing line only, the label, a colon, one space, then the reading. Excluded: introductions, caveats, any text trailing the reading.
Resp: 3:46:54
